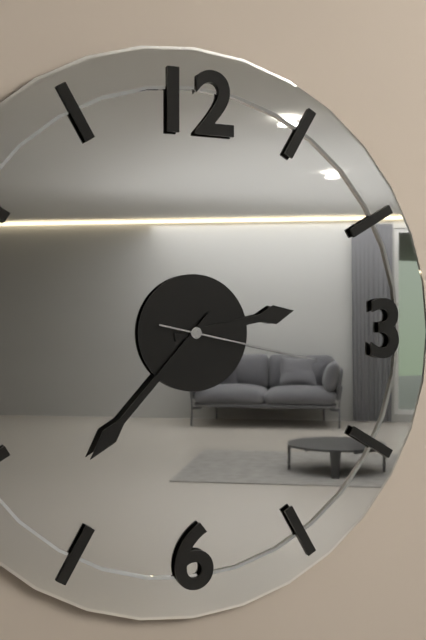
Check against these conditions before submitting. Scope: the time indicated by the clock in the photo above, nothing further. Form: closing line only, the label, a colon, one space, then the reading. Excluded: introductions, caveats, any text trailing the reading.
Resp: 2:37:17
